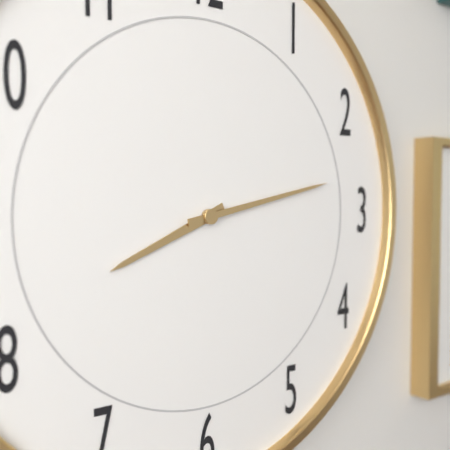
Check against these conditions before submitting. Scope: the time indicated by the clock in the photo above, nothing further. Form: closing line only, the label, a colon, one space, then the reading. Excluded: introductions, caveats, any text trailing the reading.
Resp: 8:13
